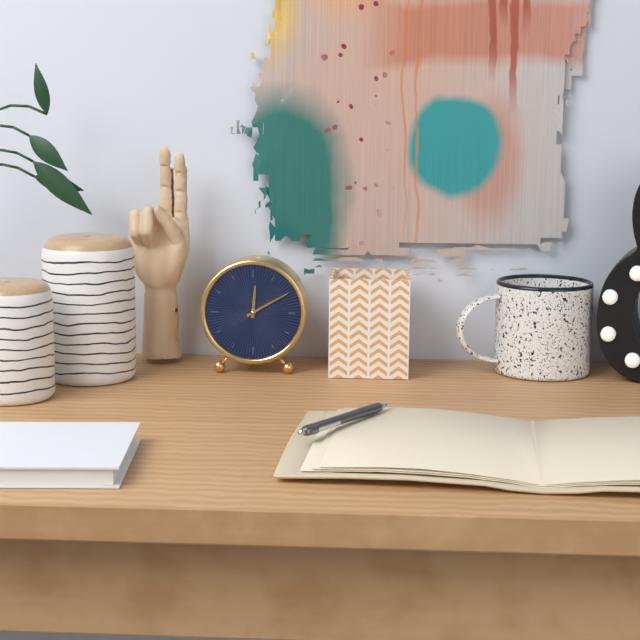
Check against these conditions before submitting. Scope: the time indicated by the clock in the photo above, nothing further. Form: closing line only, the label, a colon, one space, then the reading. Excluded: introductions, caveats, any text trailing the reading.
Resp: 12:10
